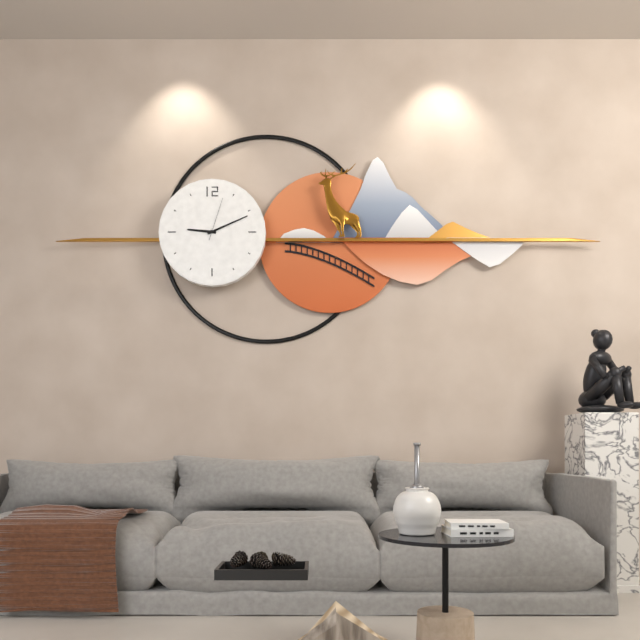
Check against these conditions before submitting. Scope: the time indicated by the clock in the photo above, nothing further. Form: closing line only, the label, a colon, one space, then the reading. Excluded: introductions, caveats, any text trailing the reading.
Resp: 9:11
